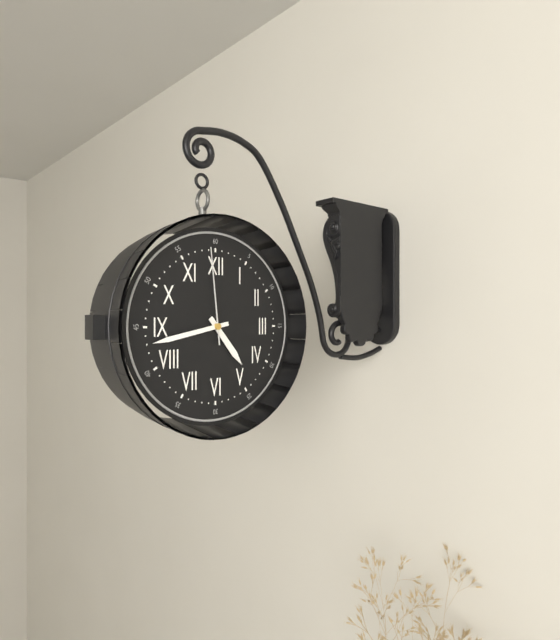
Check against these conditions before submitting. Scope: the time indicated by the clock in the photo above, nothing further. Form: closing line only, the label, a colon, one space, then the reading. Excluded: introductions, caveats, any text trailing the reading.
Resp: 4:43:59
